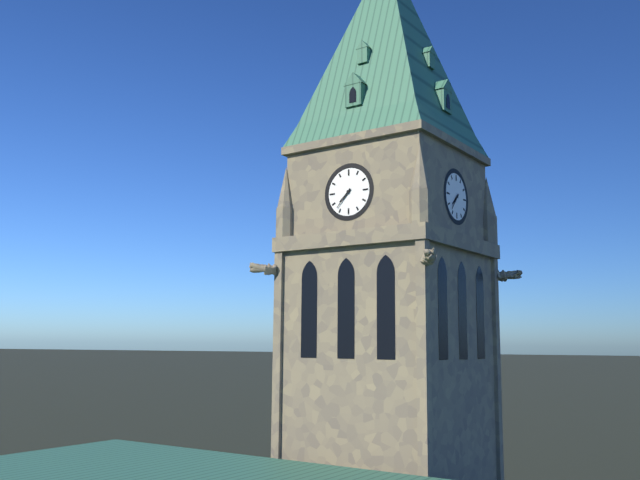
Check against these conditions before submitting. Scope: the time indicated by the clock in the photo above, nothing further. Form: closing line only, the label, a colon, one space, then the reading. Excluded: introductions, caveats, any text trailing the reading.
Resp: 7:37
